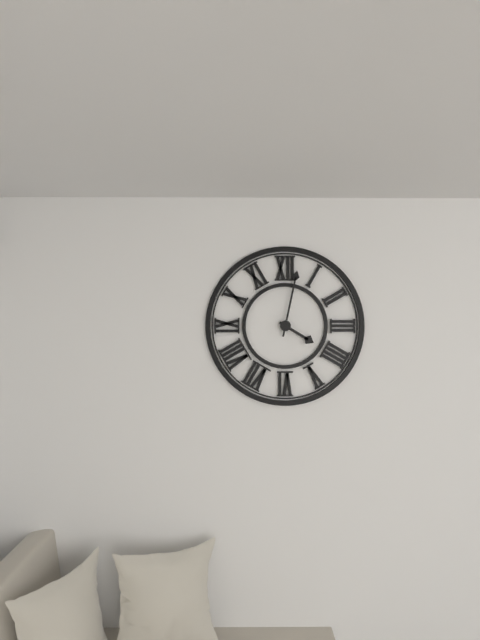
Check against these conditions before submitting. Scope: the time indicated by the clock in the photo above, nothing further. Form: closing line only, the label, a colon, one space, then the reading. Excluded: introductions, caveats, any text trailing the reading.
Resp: 4:02
